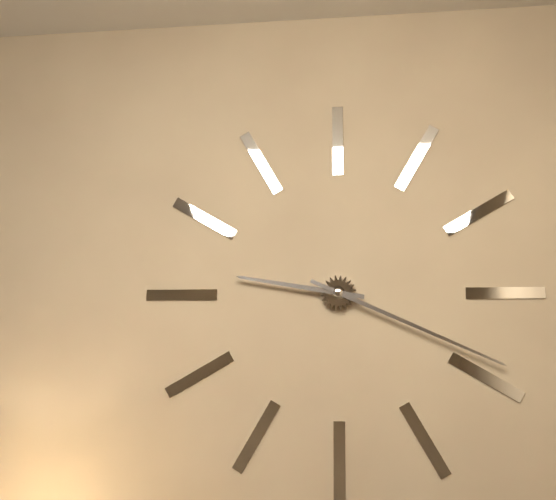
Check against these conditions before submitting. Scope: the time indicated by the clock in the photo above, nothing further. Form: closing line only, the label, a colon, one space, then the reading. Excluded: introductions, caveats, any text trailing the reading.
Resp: 9:19
